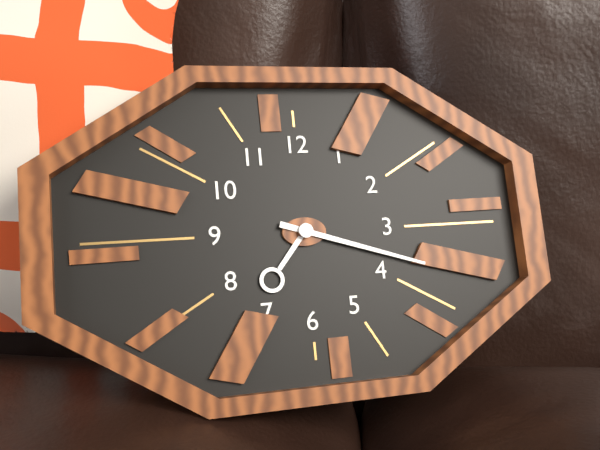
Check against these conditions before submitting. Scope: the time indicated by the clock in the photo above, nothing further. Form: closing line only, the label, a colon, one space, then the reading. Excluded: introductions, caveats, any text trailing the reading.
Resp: 7:18
